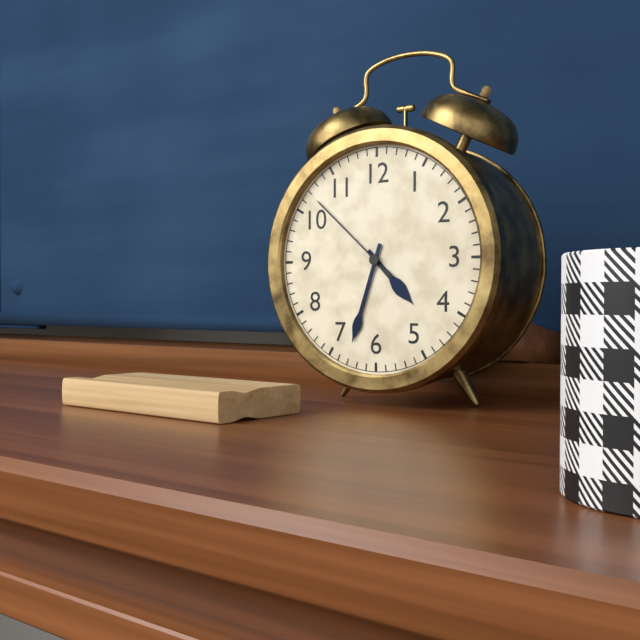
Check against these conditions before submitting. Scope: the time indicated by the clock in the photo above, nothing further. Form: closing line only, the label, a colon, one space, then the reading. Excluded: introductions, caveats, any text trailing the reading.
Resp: 4:33:52
